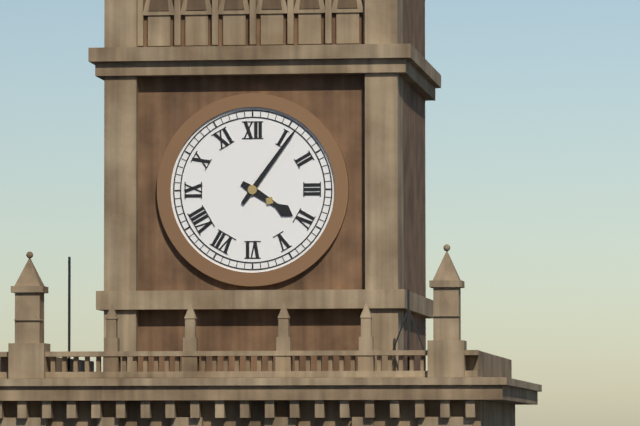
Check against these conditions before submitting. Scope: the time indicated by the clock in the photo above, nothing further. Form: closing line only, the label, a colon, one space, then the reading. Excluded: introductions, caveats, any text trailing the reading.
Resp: 4:06
